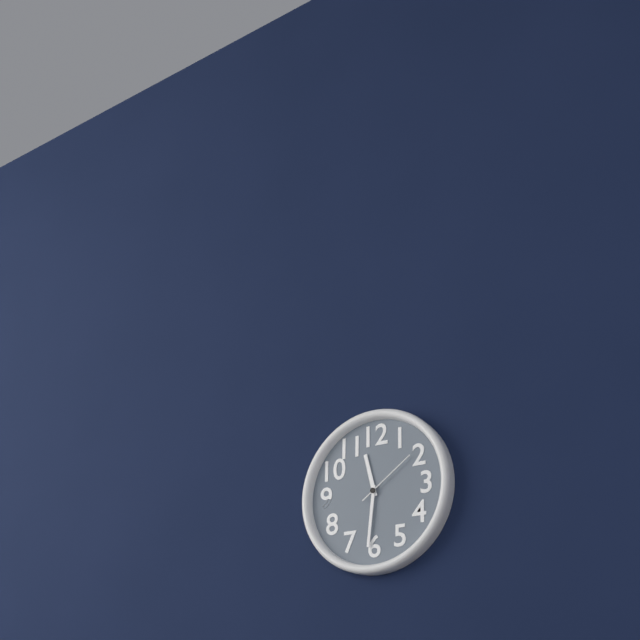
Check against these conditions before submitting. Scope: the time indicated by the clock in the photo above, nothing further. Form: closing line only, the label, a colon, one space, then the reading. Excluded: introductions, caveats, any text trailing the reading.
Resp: 11:31:09
